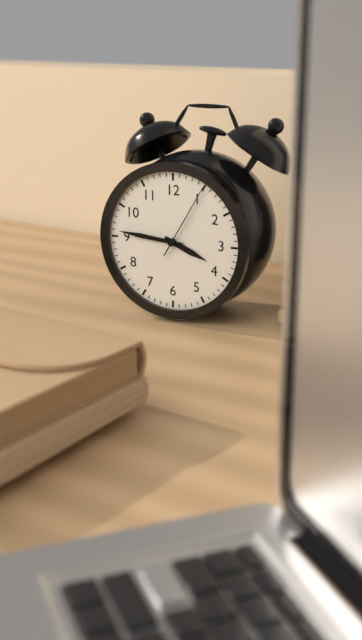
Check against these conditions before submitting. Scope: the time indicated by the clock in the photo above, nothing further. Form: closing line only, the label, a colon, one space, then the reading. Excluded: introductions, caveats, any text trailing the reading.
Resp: 3:46:05
